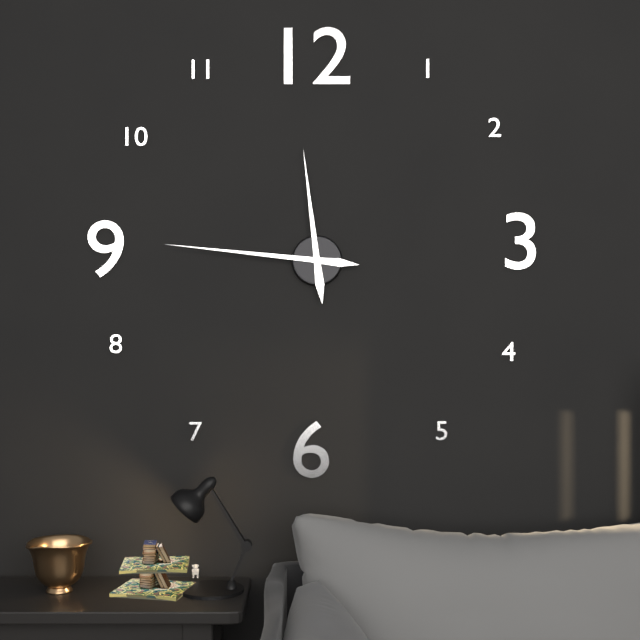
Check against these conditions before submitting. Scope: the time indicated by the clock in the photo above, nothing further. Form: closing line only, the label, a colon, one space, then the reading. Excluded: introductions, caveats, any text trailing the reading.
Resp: 11:46
